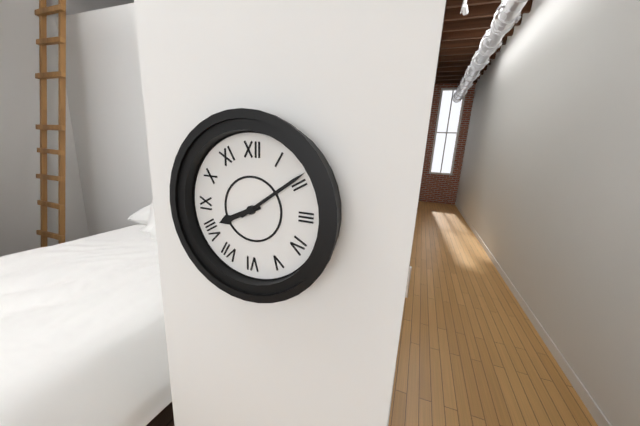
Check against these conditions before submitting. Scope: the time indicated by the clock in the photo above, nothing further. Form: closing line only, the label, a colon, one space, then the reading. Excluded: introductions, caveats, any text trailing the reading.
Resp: 8:09
